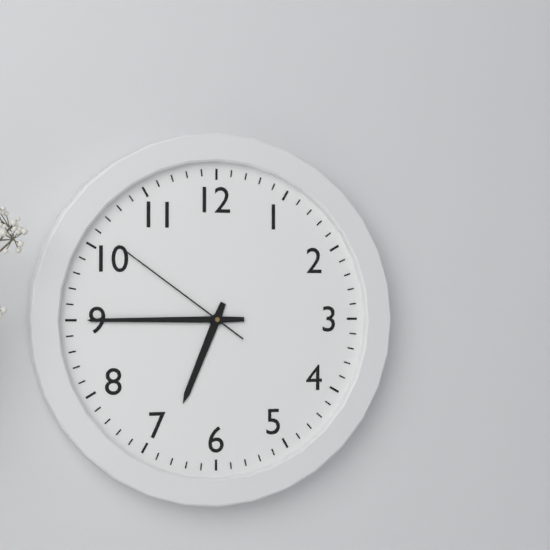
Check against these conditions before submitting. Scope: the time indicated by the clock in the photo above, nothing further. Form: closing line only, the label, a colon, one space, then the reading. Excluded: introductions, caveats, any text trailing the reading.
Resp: 6:45:51
